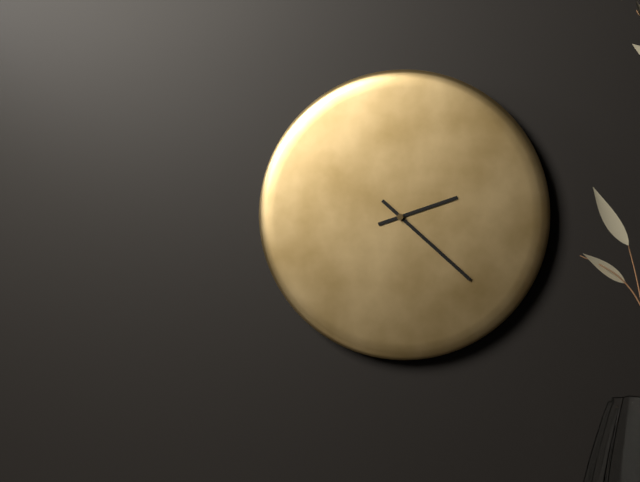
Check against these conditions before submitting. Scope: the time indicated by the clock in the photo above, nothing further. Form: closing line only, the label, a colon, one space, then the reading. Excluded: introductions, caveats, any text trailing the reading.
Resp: 2:22
